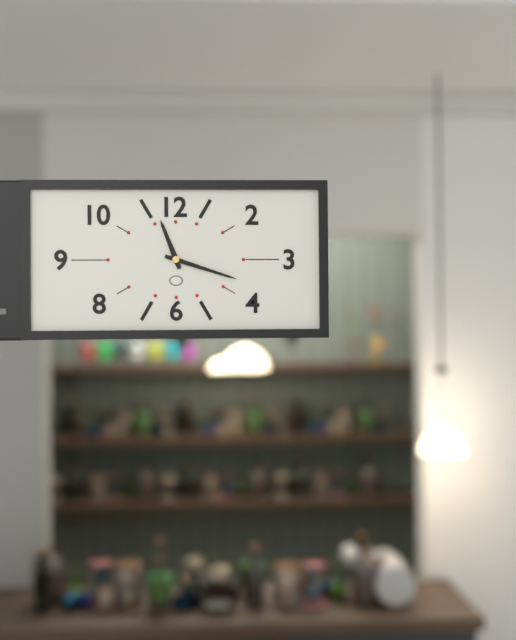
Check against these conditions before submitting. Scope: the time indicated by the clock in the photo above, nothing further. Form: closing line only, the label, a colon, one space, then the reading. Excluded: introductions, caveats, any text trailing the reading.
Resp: 11:18
